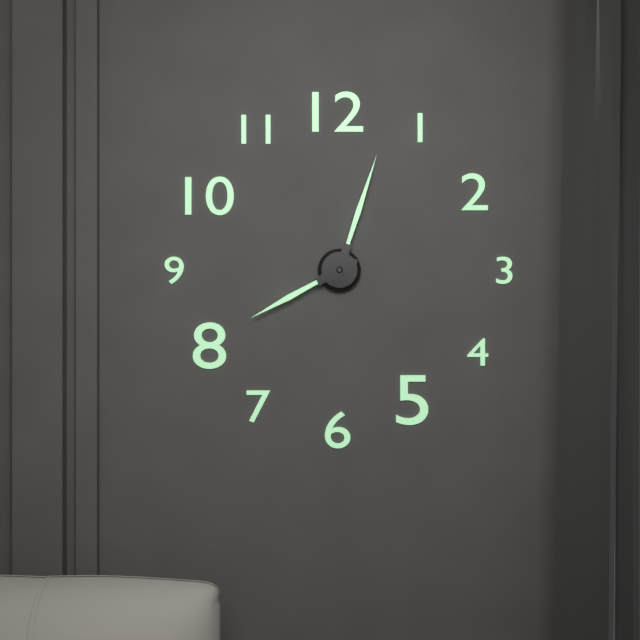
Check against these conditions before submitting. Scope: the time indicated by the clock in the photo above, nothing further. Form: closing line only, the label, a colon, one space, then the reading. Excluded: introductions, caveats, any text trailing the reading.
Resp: 8:03
